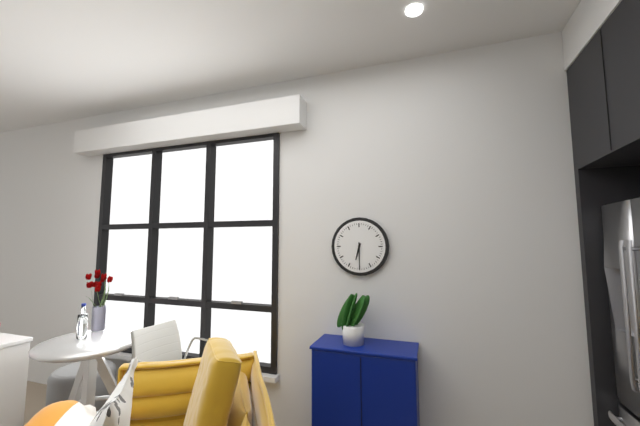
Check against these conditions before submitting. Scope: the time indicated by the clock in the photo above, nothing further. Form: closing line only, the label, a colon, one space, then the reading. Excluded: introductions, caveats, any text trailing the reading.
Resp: 6:30
